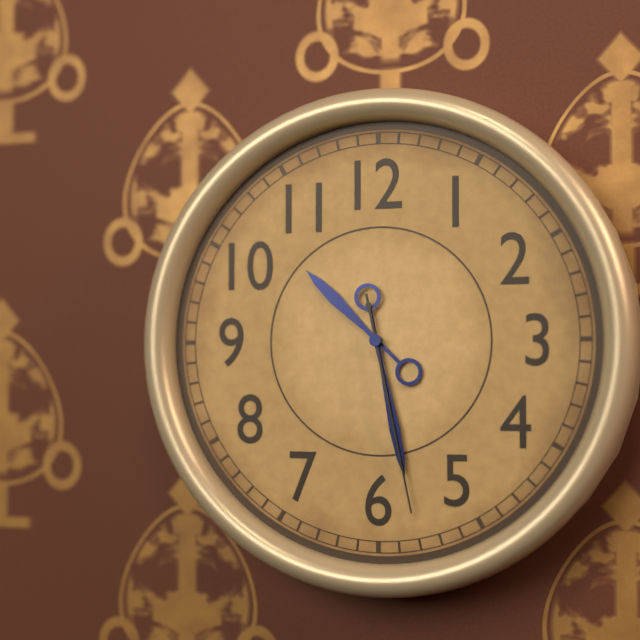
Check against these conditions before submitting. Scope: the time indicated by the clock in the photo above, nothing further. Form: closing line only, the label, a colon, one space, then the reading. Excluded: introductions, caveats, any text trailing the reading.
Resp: 10:28:28
